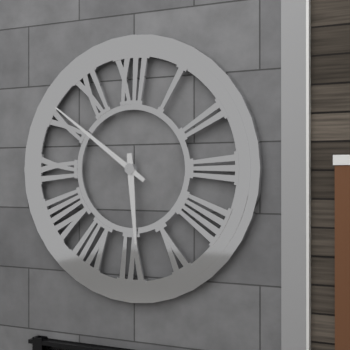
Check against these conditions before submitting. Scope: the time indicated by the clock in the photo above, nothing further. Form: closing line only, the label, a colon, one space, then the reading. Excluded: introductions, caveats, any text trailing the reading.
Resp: 5:51
